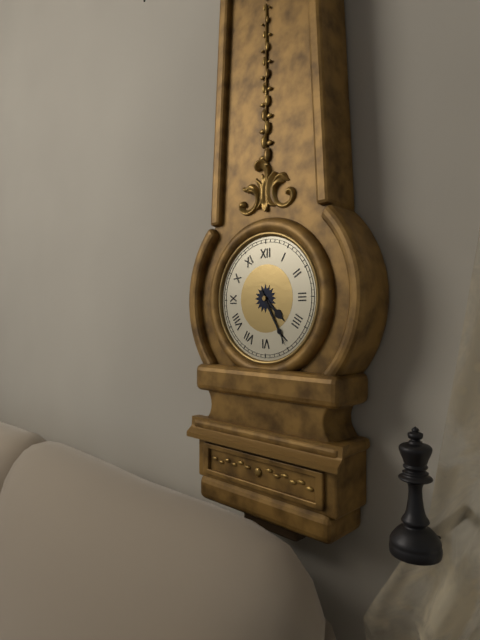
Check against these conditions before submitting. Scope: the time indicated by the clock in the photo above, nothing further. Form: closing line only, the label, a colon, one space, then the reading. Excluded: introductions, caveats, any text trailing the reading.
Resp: 4:25
